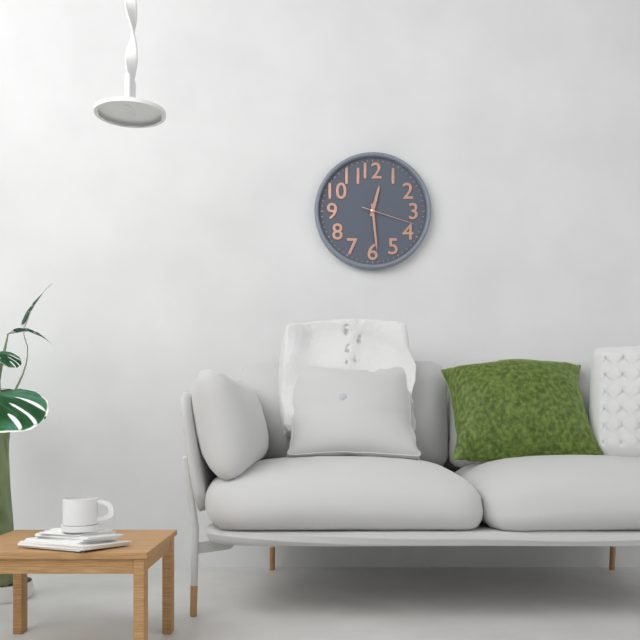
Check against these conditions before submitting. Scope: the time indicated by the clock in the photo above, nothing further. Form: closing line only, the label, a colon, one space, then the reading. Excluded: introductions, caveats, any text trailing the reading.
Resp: 12:29:18
